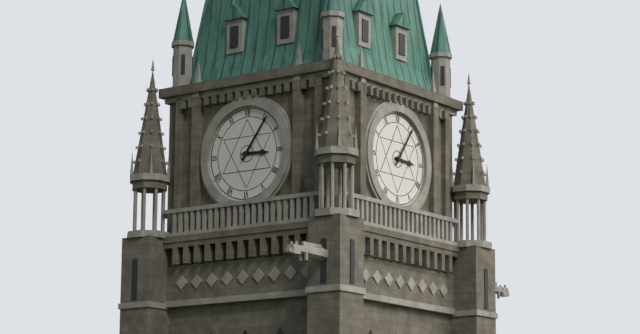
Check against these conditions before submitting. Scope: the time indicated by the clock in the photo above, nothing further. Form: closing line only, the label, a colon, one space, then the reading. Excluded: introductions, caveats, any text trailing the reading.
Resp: 3:06
